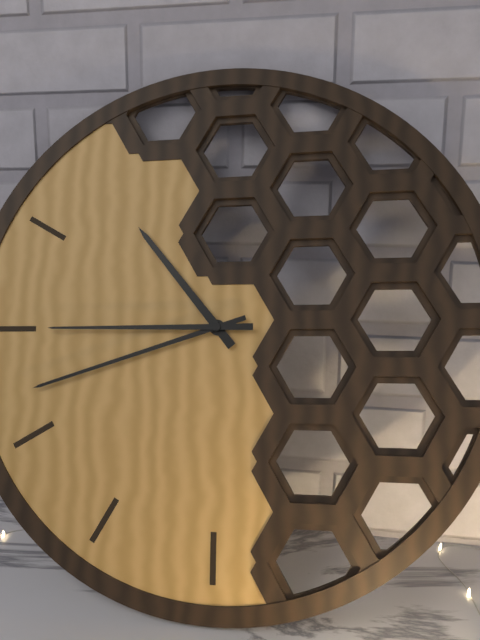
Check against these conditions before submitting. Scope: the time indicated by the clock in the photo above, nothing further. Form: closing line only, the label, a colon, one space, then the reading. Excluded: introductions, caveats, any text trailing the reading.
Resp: 10:42:45
